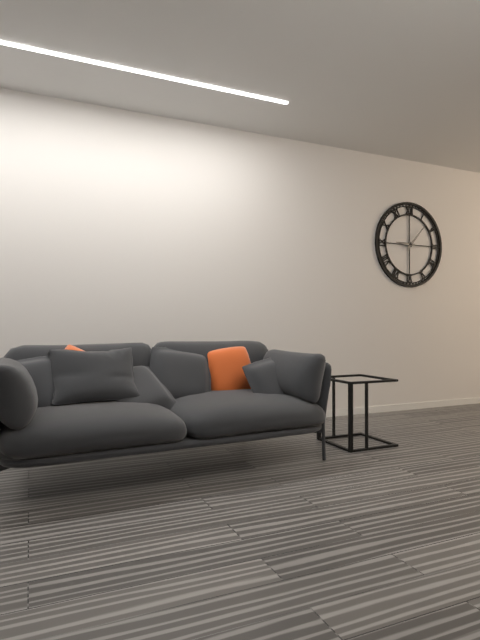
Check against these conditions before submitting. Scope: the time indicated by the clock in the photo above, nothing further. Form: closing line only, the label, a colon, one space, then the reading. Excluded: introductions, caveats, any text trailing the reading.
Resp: 9:07
